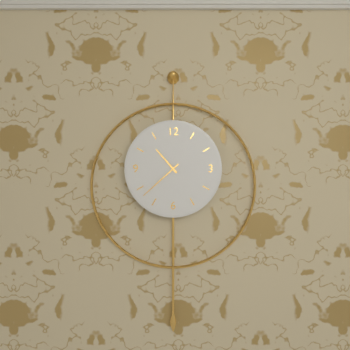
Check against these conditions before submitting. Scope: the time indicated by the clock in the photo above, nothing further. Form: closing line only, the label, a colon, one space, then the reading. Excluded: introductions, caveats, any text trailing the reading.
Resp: 10:38
